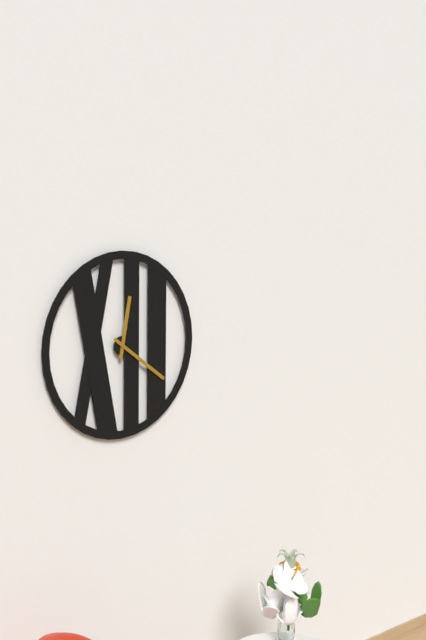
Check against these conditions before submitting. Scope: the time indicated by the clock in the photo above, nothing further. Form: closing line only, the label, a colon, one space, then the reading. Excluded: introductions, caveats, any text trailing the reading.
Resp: 12:21
